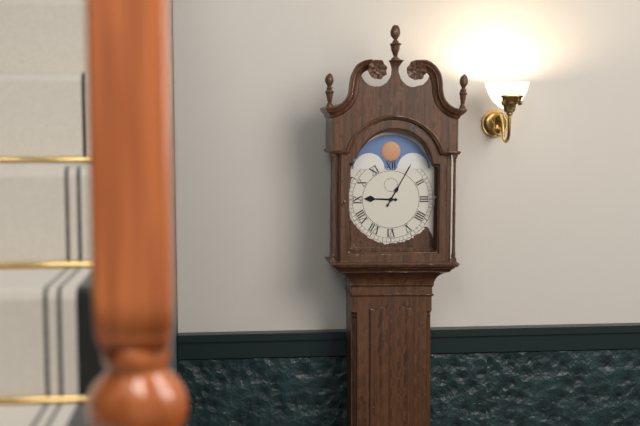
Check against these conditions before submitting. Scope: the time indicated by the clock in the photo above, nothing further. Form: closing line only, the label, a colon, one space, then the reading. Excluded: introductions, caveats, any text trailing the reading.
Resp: 9:05
